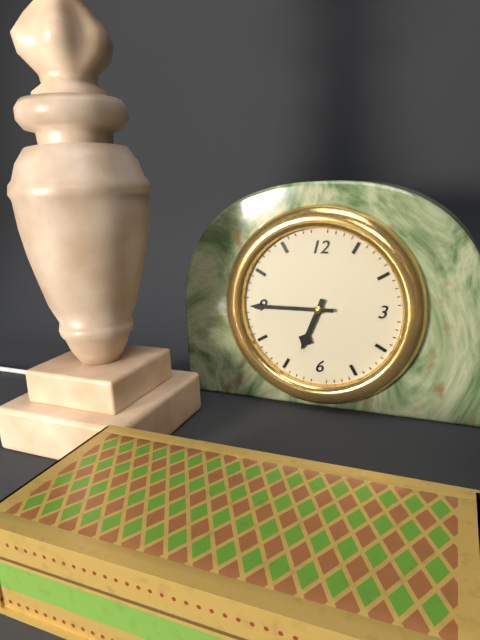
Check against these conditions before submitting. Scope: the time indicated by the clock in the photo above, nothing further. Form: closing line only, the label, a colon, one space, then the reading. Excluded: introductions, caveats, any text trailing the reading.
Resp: 6:45
